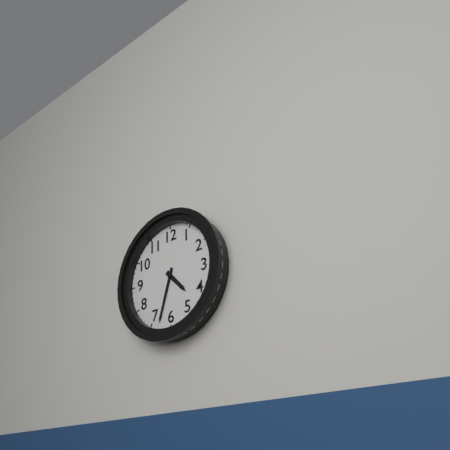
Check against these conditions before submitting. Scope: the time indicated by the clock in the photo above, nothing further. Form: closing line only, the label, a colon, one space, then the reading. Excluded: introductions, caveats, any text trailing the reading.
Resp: 4:33
